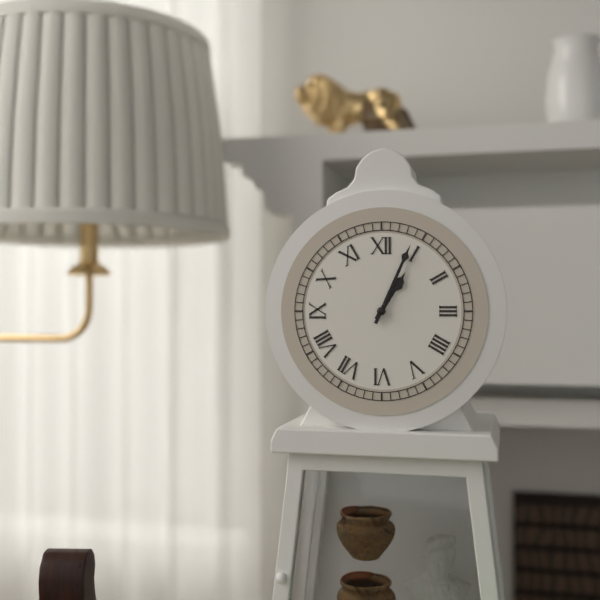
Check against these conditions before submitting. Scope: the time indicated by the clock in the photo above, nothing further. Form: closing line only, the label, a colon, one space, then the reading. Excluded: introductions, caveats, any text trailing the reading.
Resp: 1:04
